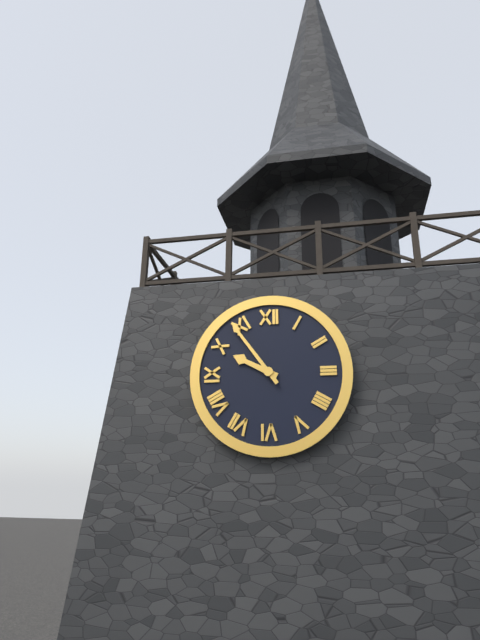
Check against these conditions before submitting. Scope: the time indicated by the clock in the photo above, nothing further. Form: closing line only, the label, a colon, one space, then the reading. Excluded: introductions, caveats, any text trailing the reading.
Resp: 9:54
